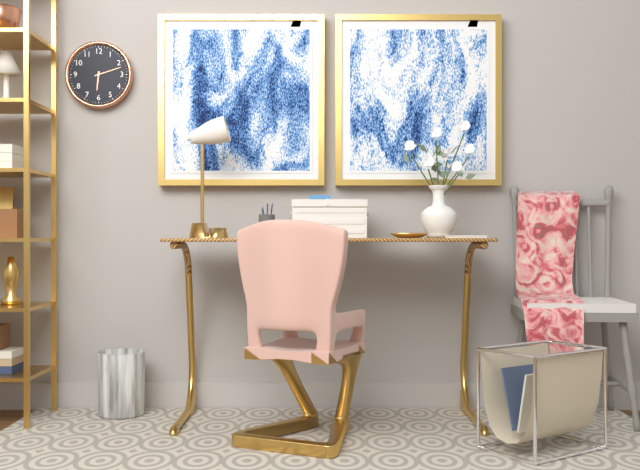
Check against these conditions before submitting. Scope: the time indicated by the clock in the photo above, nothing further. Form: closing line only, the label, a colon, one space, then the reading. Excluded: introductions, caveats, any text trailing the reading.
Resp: 6:12
